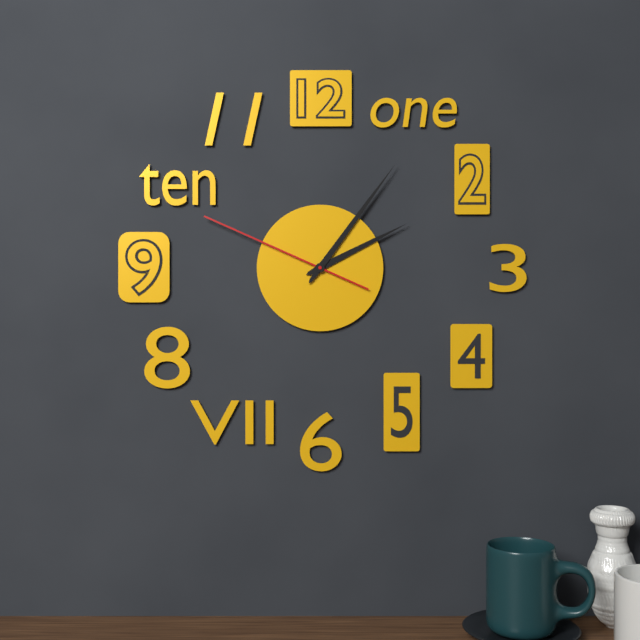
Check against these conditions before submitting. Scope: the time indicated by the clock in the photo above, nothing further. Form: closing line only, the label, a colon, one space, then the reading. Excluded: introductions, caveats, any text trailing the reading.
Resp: 2:06:49
